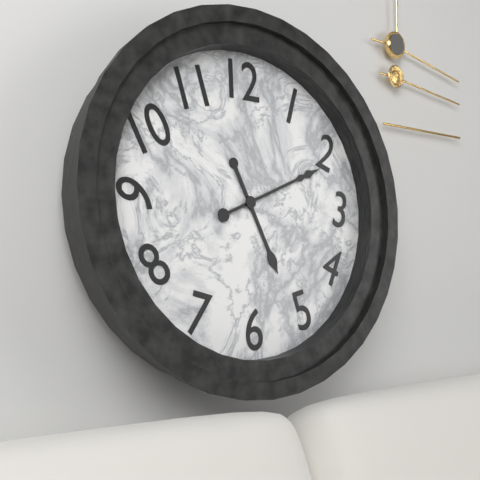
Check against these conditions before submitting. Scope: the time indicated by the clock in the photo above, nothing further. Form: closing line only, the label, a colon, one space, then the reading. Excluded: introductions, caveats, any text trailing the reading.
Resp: 5:11
